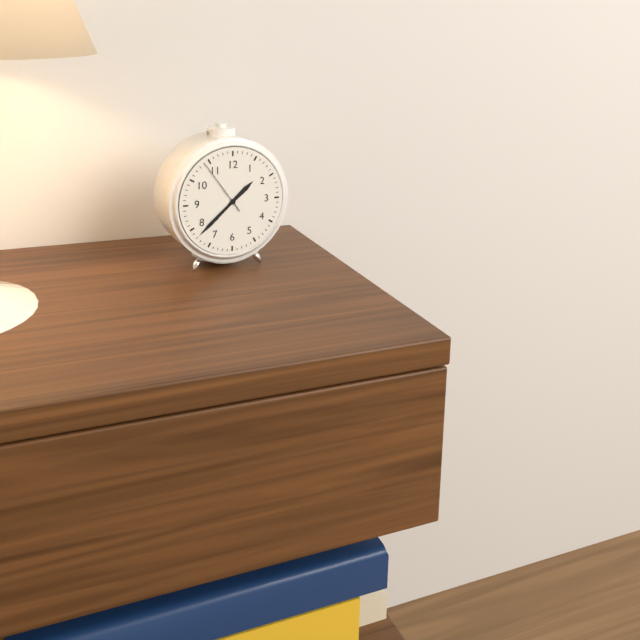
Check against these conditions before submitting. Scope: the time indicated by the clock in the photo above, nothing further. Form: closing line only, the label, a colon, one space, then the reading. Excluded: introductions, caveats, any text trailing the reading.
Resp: 1:38:54
